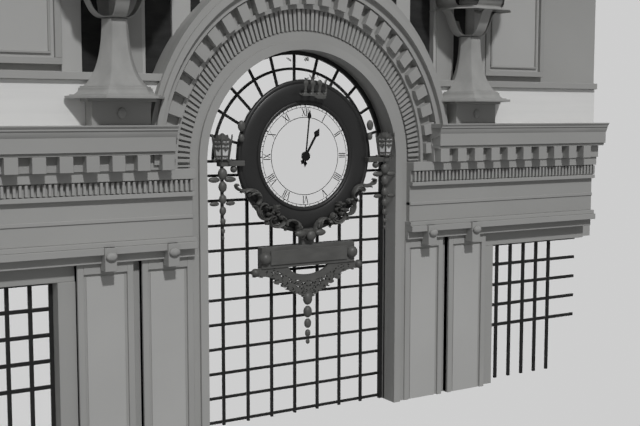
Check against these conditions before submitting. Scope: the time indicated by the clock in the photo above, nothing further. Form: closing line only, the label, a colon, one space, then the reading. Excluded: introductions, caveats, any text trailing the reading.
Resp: 1:01
